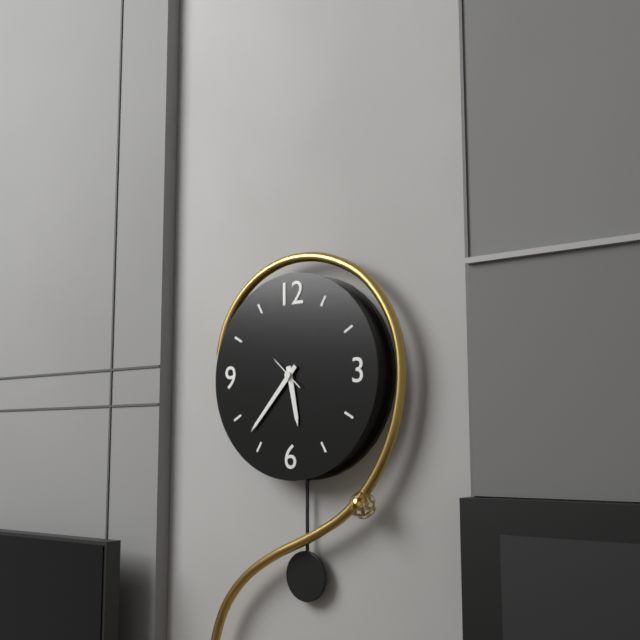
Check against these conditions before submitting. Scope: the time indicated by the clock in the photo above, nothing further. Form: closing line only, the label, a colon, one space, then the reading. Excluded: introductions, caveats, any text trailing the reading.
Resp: 5:37
